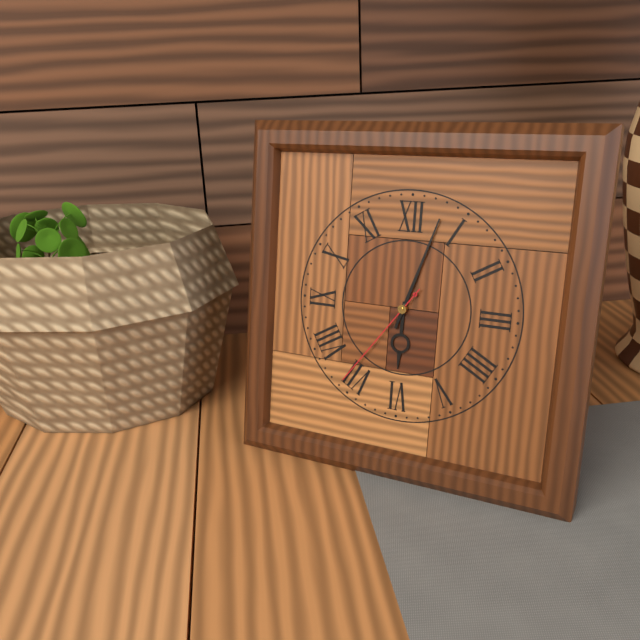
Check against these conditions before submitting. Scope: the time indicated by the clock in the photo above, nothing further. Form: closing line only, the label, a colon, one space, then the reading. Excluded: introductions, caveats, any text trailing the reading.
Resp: 6:03:36
